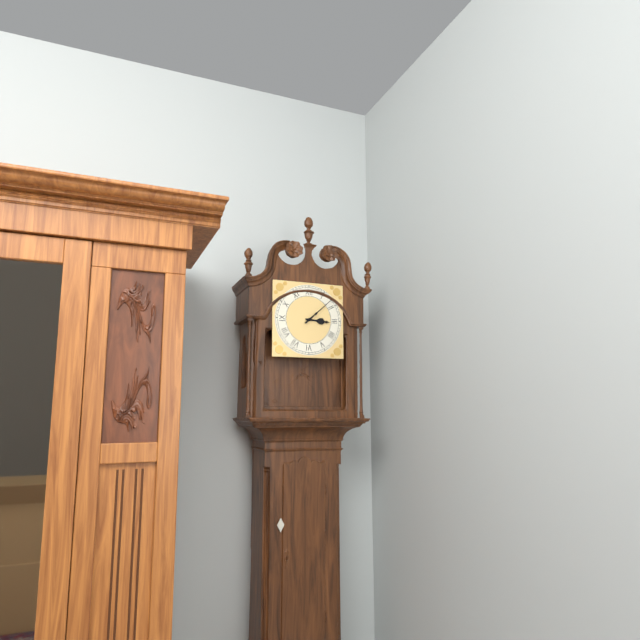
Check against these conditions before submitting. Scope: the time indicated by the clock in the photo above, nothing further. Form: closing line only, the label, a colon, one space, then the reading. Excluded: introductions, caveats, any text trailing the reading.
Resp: 3:08
